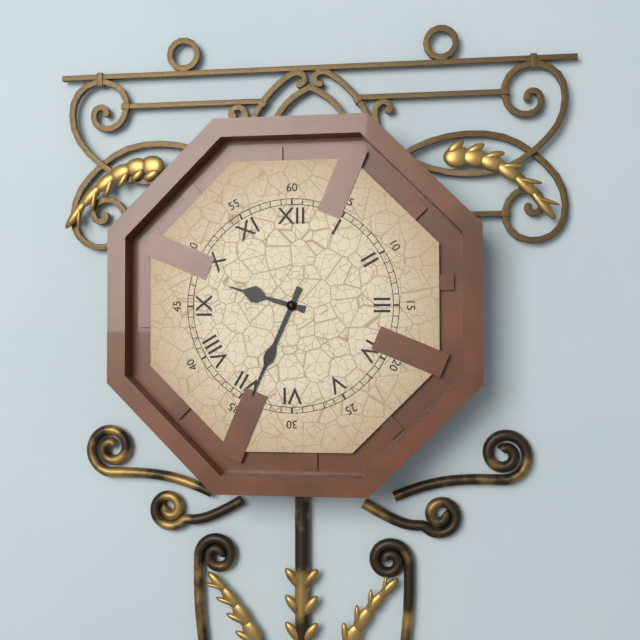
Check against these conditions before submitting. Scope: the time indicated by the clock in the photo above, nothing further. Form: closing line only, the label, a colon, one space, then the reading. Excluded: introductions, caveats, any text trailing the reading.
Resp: 9:34
